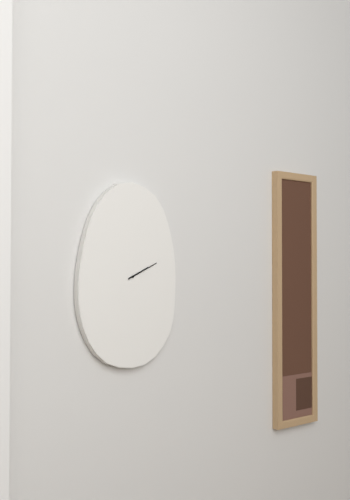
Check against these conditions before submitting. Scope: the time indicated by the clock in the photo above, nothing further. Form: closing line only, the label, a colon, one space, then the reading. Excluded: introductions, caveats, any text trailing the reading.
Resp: 2:11
